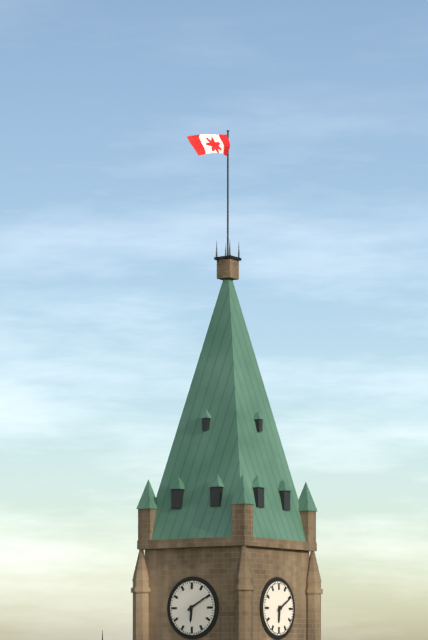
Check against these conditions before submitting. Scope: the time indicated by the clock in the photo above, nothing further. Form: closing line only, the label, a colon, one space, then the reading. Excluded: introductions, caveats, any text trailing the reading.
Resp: 6:10
